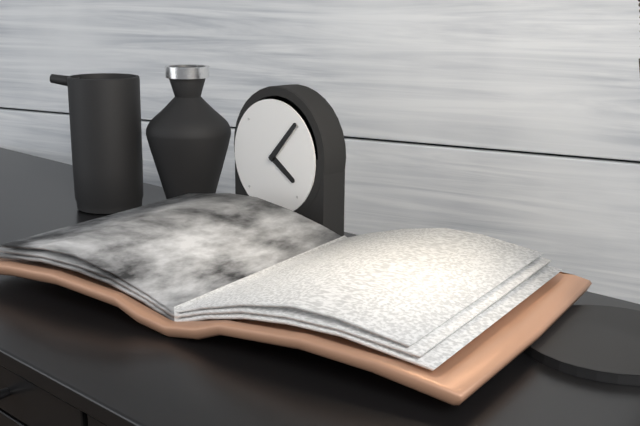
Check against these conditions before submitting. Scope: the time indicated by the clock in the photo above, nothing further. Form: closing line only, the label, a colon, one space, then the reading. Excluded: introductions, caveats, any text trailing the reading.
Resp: 4:07
